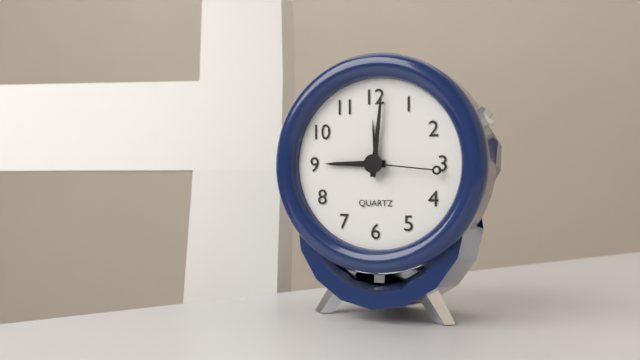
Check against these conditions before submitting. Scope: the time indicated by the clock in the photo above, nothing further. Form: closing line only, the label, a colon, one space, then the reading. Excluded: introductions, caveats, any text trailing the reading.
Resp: 9:01:16
